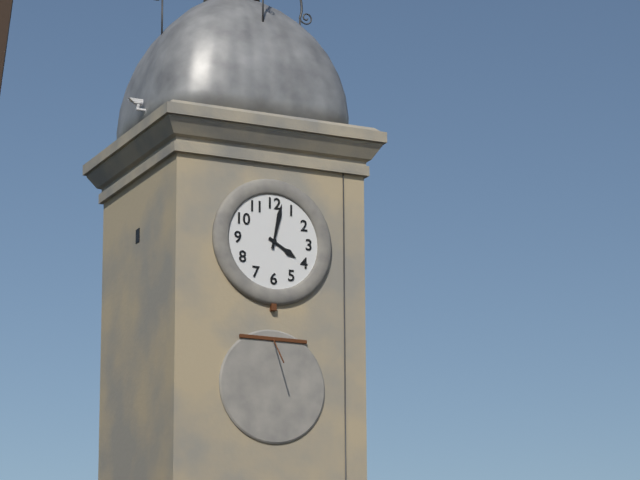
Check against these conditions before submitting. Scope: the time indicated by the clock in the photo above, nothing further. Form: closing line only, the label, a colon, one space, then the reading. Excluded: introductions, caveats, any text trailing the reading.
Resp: 4:02
